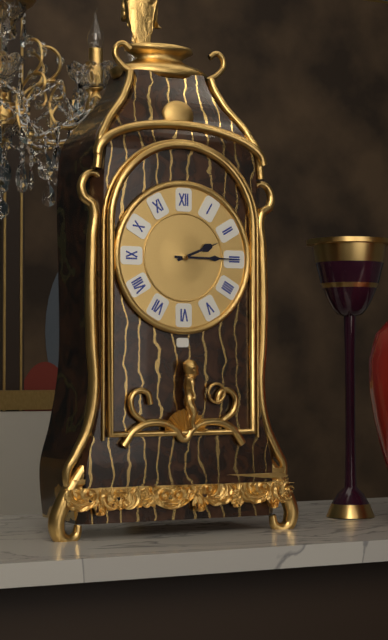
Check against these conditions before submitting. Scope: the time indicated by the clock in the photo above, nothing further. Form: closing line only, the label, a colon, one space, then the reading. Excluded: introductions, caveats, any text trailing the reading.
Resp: 2:15
